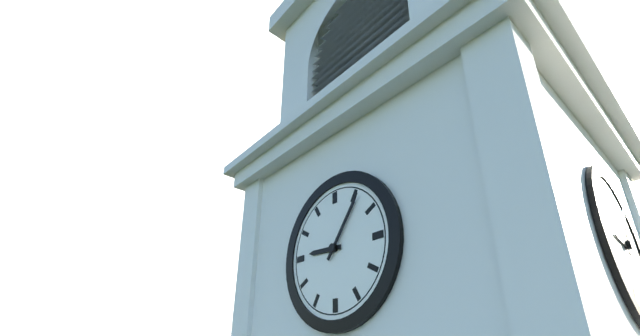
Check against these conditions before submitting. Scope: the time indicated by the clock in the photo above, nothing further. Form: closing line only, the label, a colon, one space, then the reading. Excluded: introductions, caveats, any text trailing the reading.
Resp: 9:06
